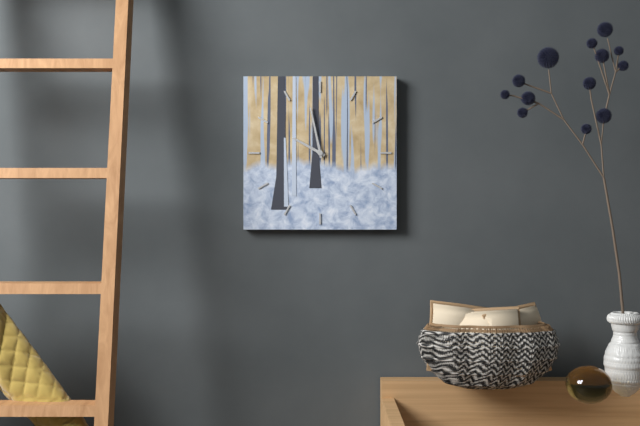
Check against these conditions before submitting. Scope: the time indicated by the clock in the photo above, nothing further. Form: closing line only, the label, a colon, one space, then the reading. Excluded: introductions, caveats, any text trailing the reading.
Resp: 9:58
